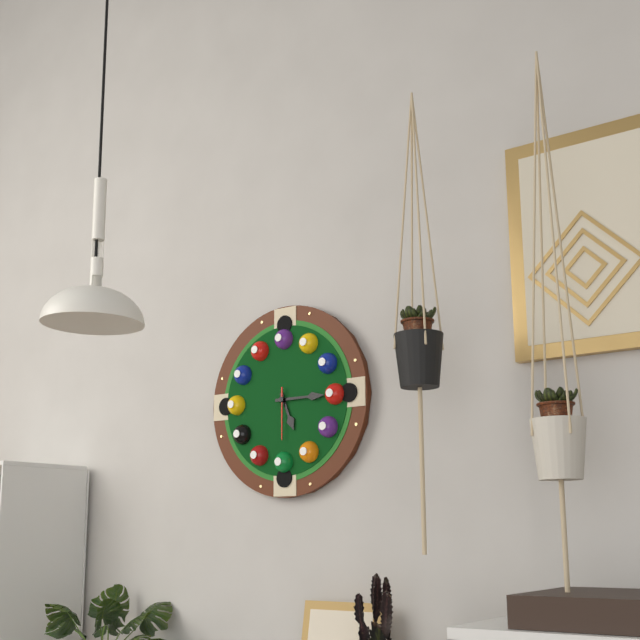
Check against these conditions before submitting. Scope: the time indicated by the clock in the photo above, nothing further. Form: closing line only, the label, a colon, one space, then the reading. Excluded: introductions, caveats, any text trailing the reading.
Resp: 5:15:30
